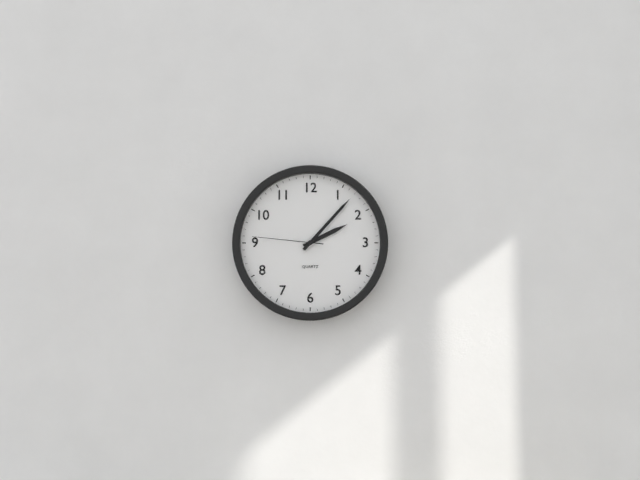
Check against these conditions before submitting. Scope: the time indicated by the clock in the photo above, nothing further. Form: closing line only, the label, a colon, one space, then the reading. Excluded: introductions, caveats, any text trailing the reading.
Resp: 2:07:46
